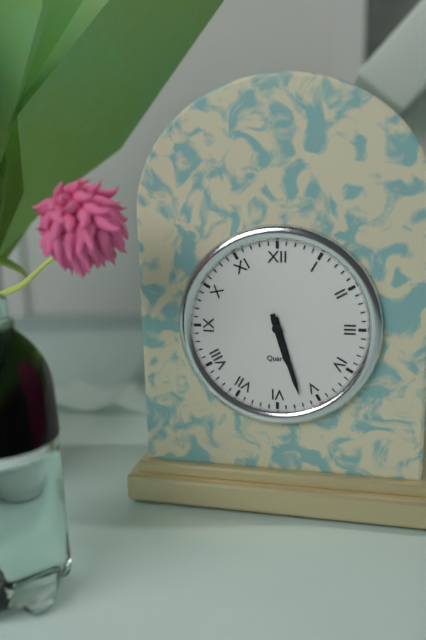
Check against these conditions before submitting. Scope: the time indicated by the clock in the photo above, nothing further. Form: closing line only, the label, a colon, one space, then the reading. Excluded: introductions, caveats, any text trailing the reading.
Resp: 5:27
